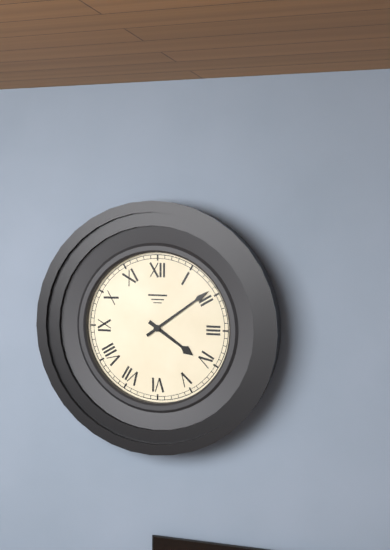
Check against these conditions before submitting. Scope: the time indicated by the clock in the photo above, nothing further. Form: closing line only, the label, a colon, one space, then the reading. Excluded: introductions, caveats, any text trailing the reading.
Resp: 4:09
